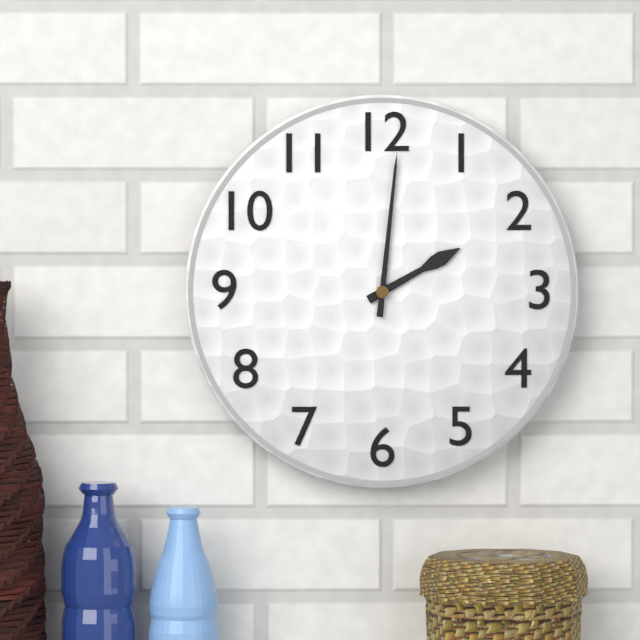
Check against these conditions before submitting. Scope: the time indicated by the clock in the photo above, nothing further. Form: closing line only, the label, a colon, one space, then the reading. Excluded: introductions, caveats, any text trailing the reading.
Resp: 2:01
